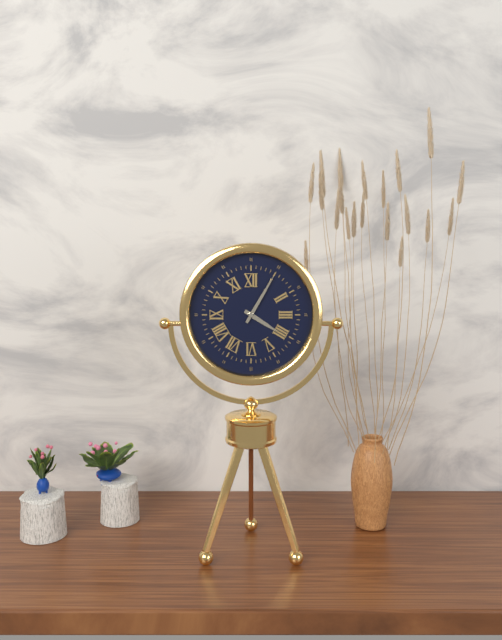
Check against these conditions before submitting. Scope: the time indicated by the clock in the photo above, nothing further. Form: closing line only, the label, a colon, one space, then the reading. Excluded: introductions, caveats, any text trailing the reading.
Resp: 4:05
